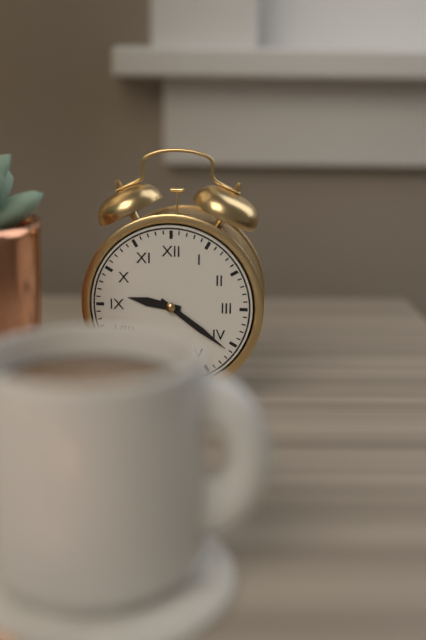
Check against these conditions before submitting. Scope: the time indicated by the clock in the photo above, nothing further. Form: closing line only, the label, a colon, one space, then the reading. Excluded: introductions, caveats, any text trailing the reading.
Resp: 9:21
